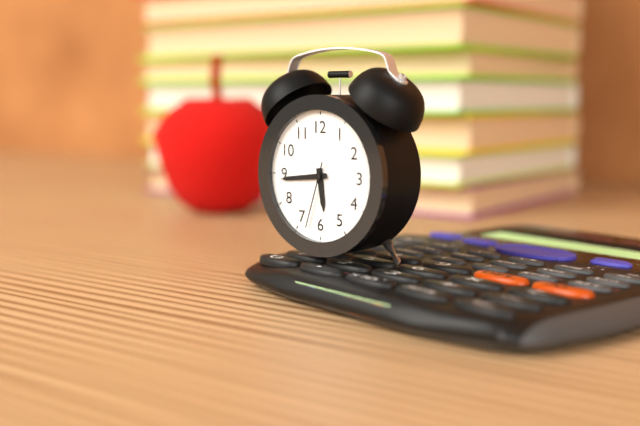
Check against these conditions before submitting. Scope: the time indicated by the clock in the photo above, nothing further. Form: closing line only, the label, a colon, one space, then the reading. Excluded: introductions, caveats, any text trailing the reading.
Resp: 5:44:33
